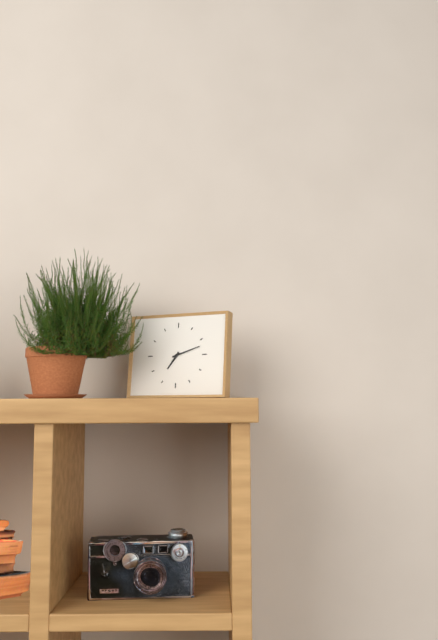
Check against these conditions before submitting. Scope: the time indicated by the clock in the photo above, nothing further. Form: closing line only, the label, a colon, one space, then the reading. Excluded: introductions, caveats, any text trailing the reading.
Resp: 7:12
